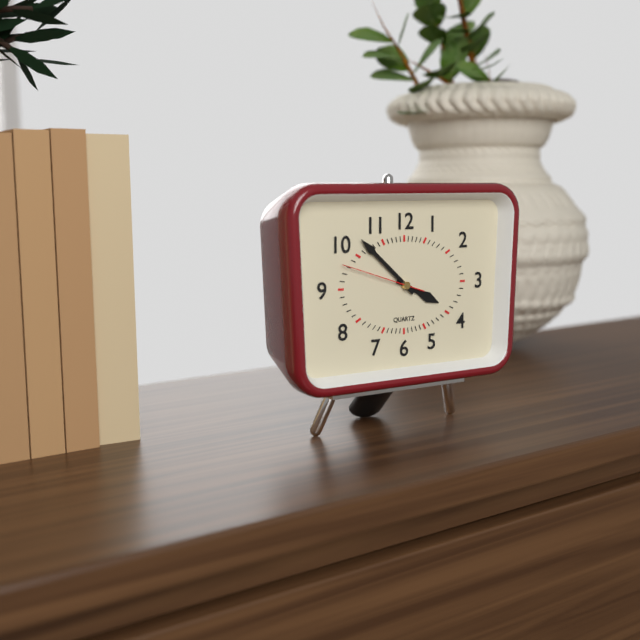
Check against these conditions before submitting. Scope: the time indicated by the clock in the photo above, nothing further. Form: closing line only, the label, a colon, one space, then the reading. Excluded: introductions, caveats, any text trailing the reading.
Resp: 3:52:48
